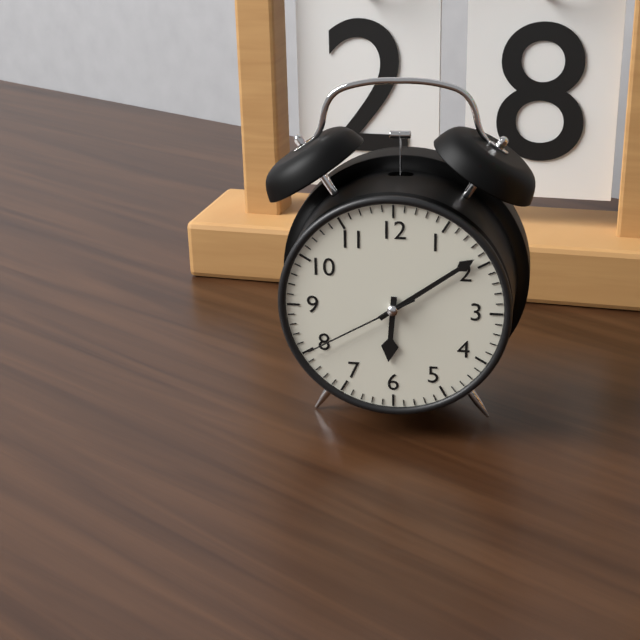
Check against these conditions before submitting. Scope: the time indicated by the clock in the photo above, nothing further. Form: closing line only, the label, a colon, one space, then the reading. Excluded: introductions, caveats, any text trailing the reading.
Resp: 6:09:40
